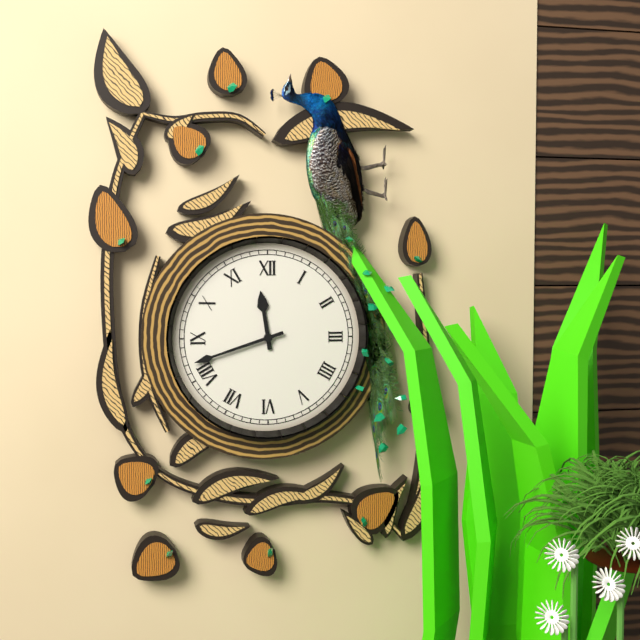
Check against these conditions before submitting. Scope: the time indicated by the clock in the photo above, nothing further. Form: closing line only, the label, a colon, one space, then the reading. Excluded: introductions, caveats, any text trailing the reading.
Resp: 11:42
